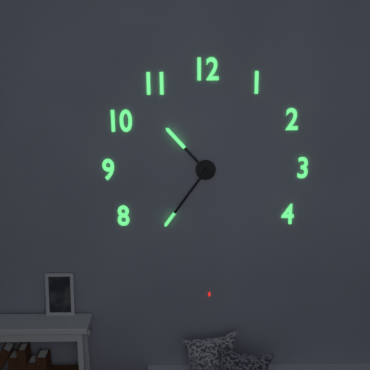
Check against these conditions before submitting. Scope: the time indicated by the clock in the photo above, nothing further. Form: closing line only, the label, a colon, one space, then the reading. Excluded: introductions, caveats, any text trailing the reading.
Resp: 10:36
